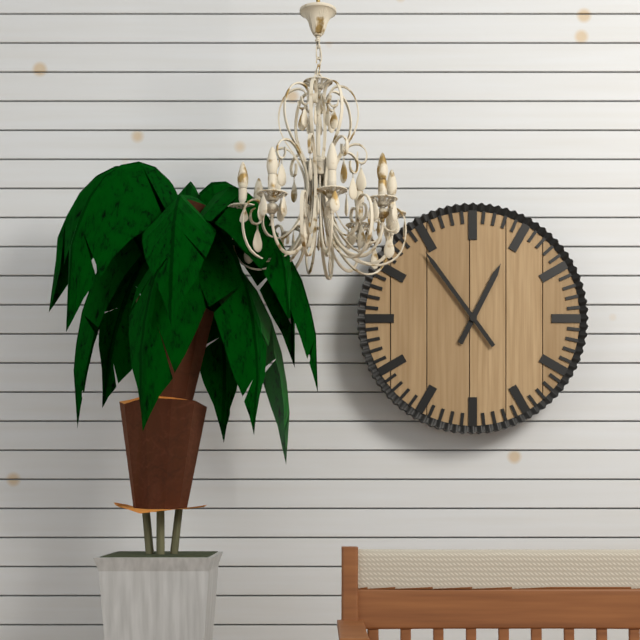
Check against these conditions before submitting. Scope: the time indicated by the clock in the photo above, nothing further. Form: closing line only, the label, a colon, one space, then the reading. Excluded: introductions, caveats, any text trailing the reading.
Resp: 12:54
